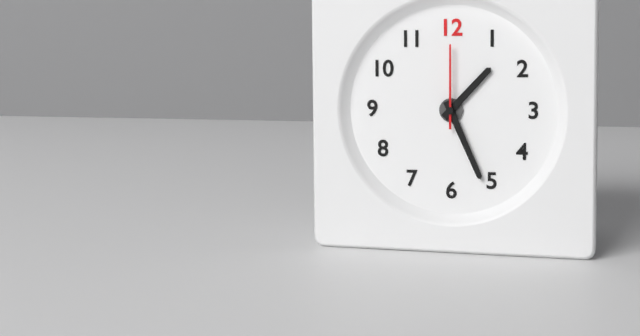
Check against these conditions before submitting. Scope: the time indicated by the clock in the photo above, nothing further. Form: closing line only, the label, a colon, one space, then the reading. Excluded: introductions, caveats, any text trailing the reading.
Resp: 1:26:00
